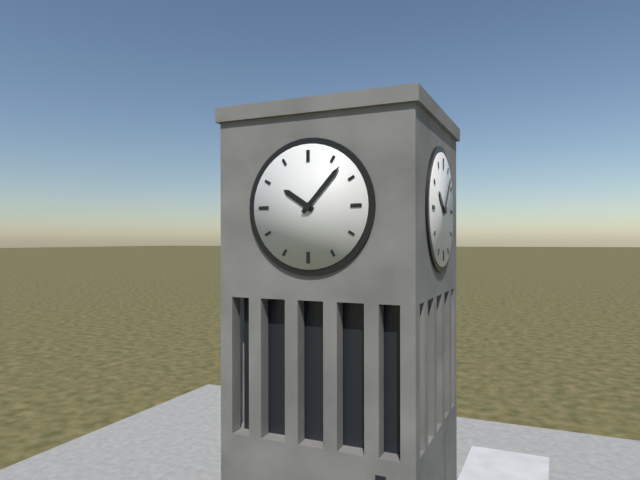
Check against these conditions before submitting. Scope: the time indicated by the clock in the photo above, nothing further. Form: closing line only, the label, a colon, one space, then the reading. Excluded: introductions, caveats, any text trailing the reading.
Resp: 10:07
